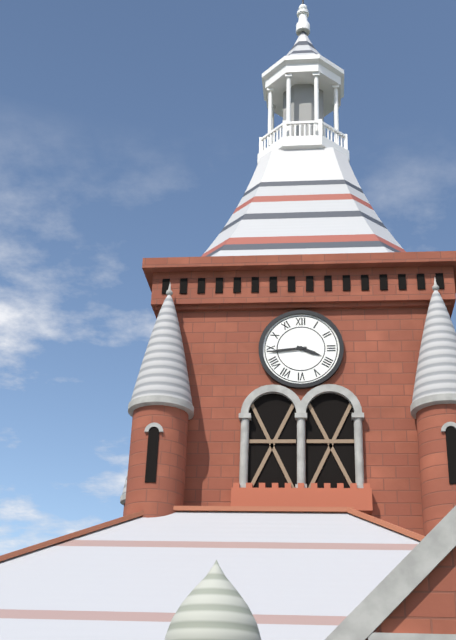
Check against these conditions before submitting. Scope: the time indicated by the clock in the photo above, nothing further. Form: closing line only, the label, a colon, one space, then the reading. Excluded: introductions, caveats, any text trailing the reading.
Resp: 3:44
